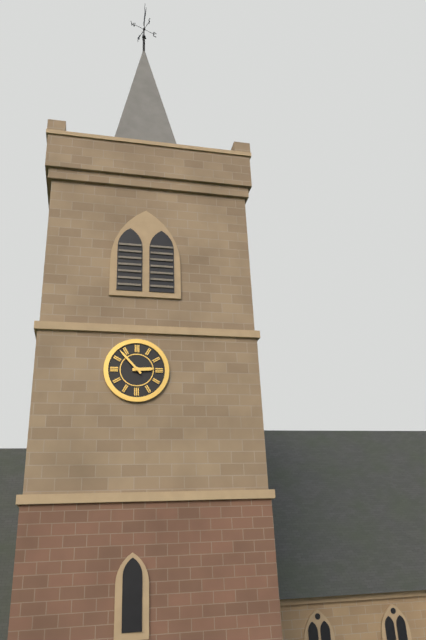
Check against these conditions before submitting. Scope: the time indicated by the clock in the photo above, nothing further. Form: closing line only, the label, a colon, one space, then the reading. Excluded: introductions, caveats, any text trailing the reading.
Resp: 2:53
